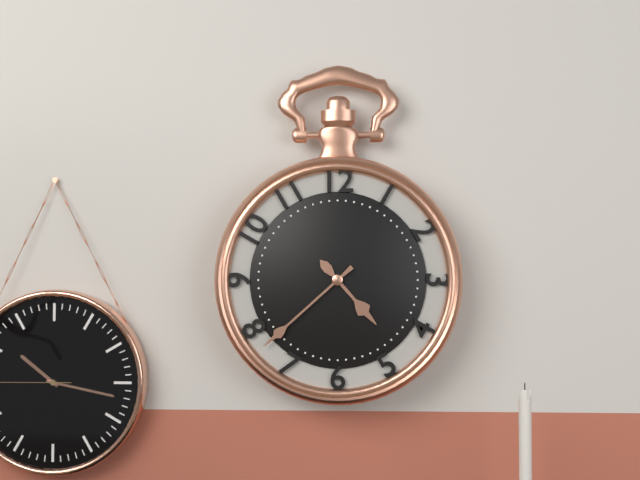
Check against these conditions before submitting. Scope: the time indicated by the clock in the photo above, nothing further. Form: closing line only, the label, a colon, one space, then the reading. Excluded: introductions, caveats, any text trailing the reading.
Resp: 4:38
